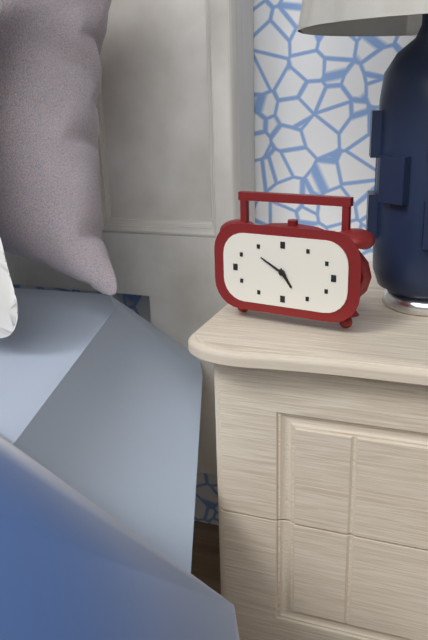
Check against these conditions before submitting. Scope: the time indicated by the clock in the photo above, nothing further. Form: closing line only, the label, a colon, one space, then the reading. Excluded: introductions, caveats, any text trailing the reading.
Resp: 4:50
